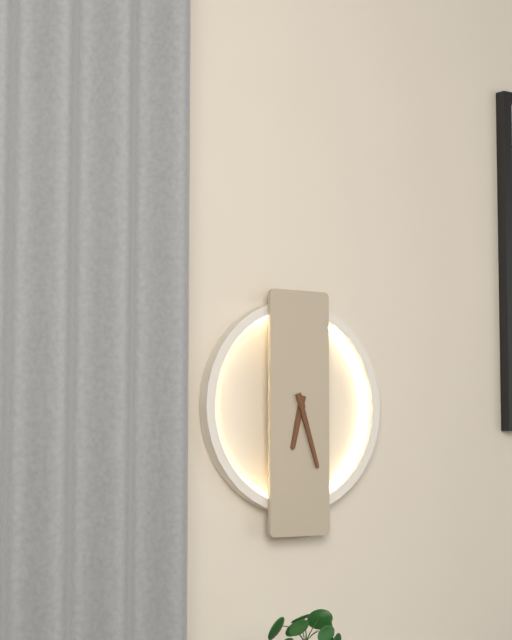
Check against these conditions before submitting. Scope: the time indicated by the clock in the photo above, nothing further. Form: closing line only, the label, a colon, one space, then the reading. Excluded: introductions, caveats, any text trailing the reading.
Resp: 6:27
